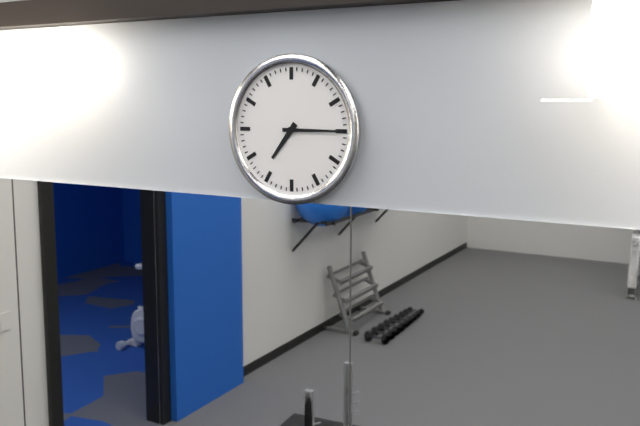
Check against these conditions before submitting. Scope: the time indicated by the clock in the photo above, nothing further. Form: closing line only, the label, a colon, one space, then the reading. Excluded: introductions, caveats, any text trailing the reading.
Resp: 7:15
